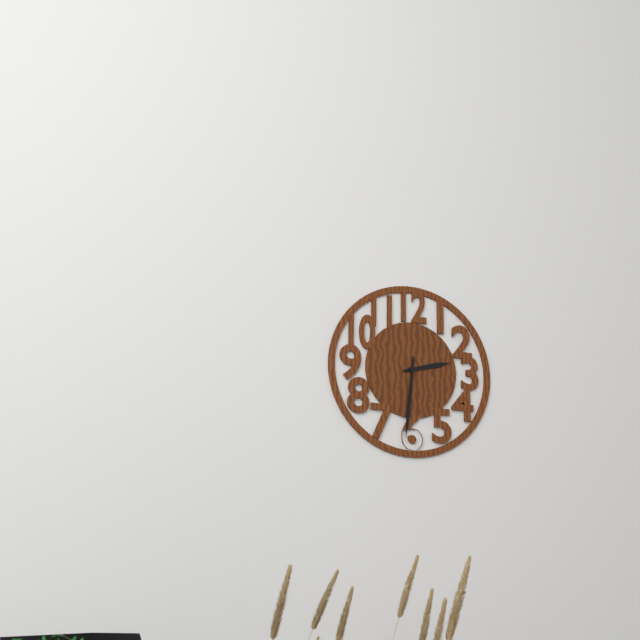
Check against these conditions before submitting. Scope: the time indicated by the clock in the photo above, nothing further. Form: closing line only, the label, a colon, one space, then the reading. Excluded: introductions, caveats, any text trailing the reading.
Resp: 2:31
